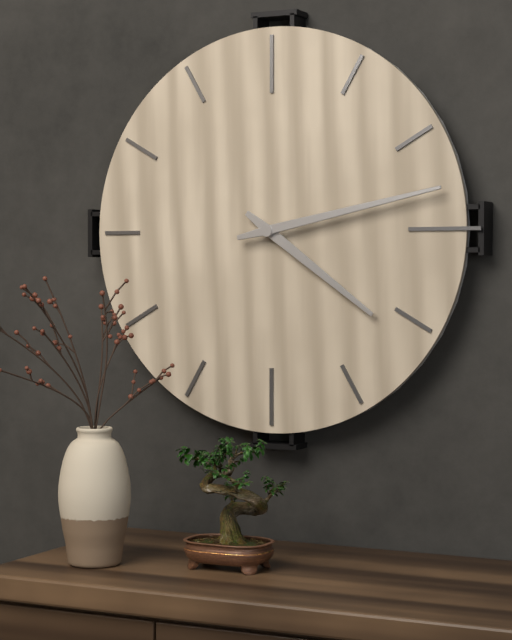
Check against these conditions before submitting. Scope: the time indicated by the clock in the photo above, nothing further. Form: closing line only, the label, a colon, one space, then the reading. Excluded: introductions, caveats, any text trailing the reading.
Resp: 4:13
